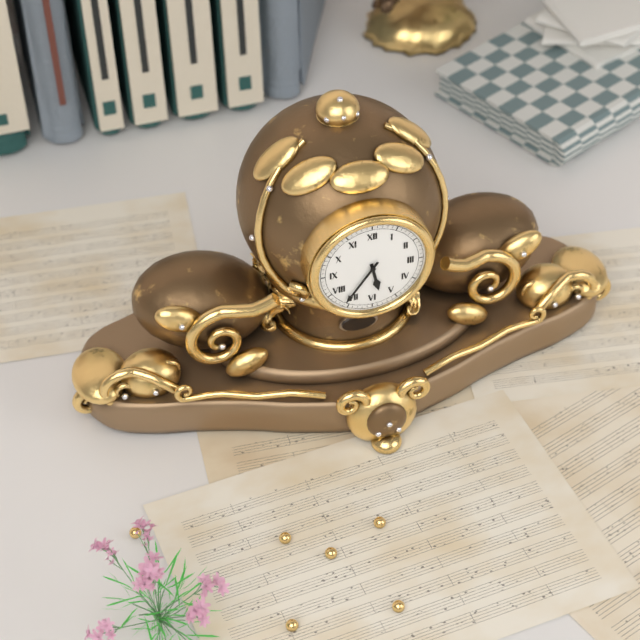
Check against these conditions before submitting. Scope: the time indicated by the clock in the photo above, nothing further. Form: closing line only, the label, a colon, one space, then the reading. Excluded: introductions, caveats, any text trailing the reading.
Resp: 5:36
